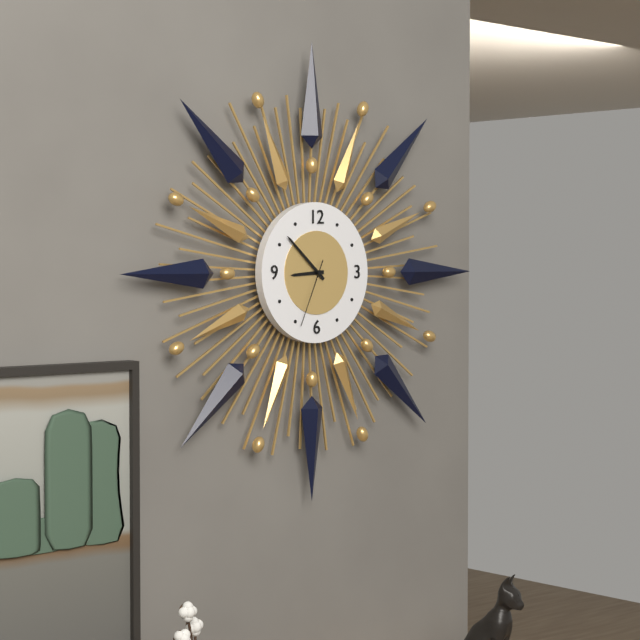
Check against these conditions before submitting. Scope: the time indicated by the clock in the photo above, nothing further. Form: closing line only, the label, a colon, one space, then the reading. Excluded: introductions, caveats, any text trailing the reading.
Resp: 8:52:34
